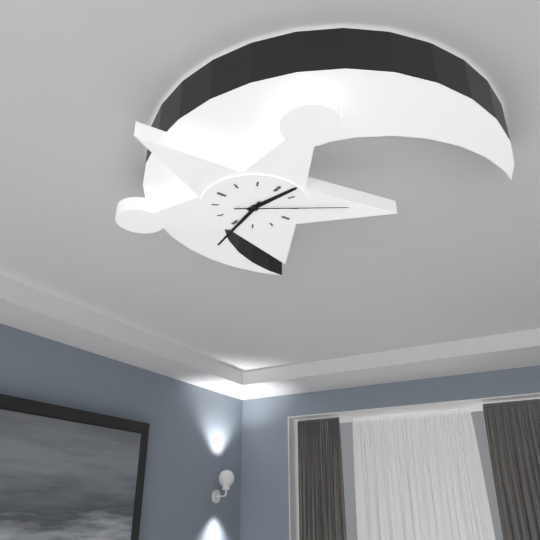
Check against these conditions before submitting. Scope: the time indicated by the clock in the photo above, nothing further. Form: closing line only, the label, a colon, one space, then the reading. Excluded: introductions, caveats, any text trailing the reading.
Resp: 12:29:09
